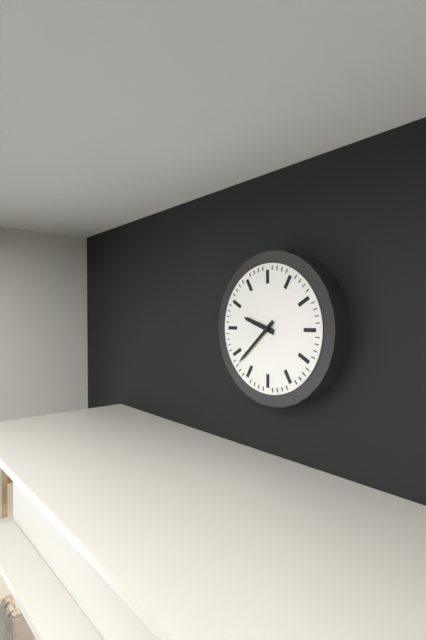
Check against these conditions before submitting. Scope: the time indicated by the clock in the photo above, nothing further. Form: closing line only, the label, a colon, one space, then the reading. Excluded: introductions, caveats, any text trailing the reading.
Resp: 9:38
